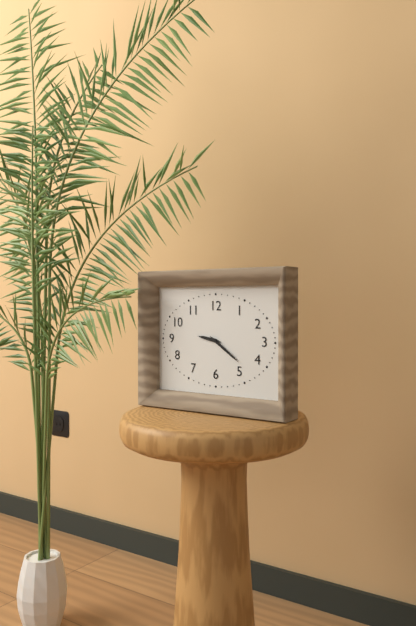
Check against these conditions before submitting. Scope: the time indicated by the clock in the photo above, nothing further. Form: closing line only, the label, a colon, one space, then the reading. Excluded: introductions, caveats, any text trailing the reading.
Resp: 9:21
